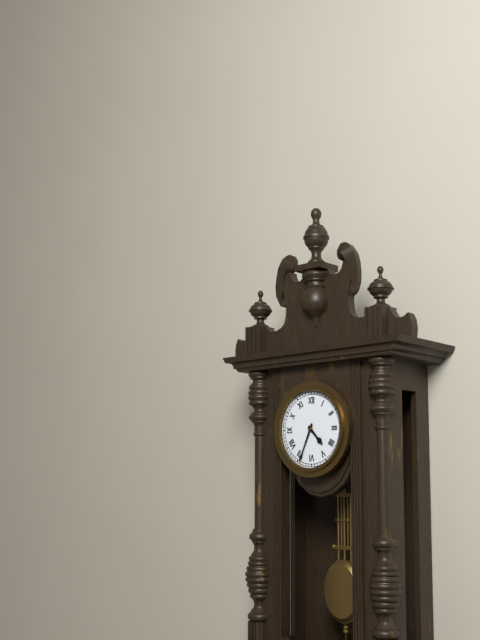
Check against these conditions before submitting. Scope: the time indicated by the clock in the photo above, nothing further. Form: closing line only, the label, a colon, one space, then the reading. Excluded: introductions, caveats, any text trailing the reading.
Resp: 4:34
